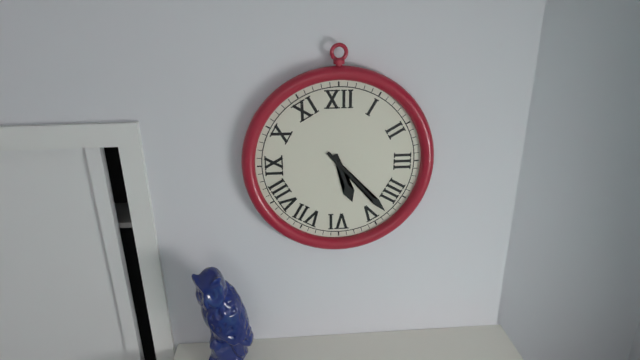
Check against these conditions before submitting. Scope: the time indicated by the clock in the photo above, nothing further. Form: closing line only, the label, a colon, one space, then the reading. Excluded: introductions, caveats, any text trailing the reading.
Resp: 5:23
